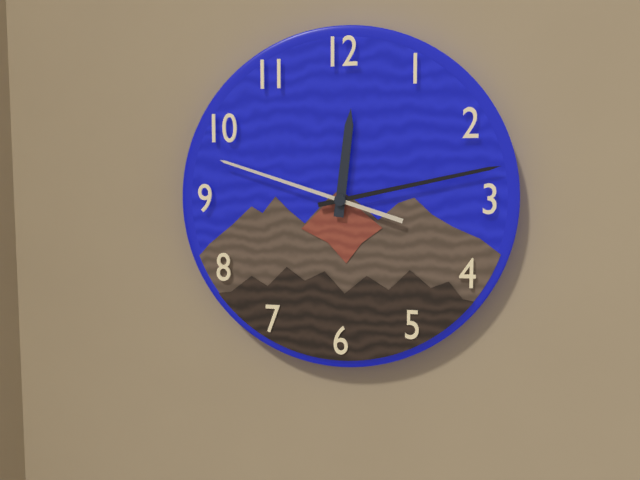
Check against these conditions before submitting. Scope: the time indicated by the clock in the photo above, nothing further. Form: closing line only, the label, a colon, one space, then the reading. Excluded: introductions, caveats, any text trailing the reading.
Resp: 12:13:48
